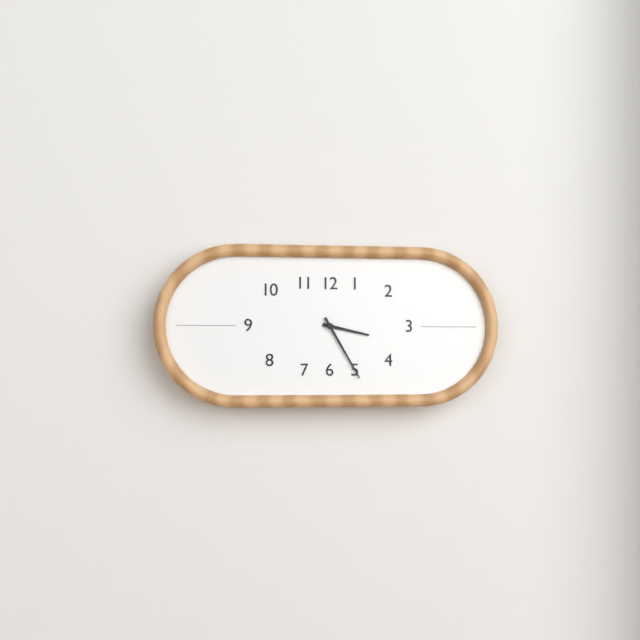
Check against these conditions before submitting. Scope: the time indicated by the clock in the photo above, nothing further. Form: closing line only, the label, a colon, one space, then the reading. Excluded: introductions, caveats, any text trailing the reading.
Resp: 3:25
